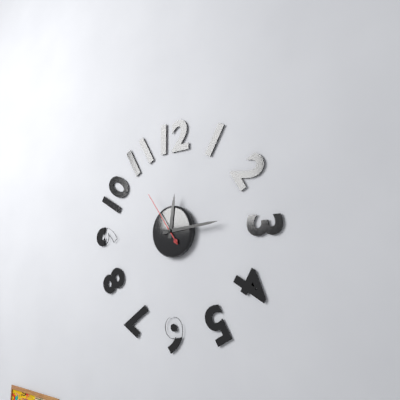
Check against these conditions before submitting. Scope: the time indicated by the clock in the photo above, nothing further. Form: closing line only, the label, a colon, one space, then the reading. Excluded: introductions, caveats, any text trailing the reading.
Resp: 12:14:54
